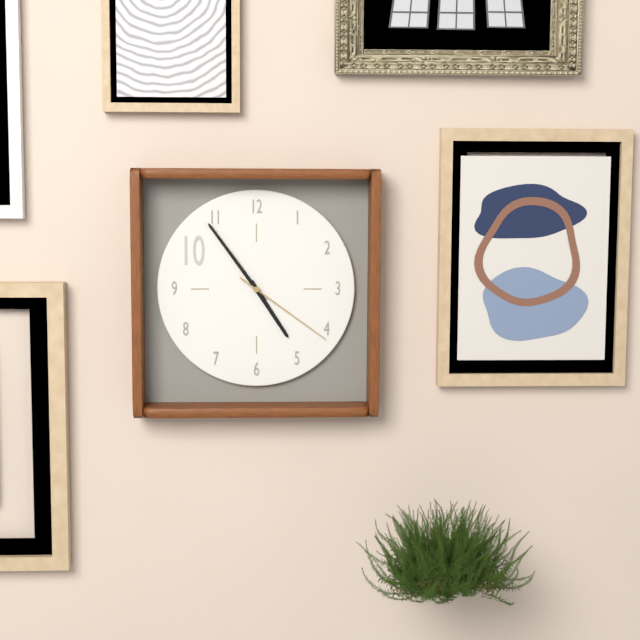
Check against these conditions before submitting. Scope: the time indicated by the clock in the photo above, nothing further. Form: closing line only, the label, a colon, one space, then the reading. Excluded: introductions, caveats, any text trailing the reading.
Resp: 4:54:21
